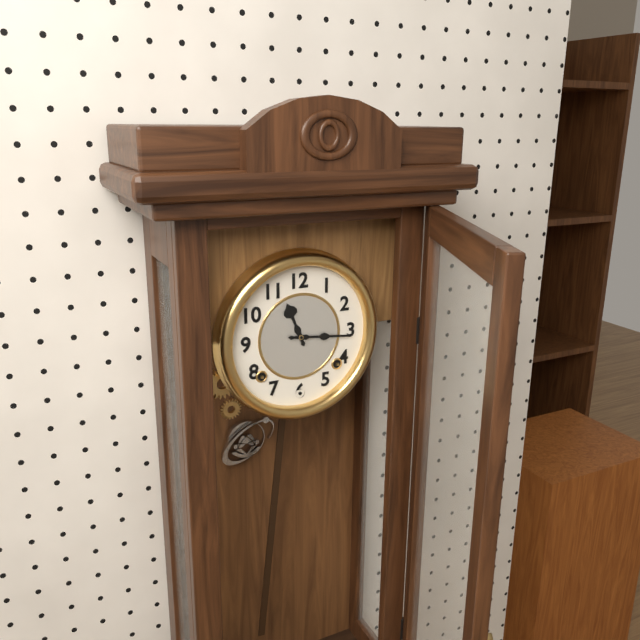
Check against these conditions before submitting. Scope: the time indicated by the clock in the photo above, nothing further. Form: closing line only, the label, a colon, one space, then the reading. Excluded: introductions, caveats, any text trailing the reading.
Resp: 11:16
